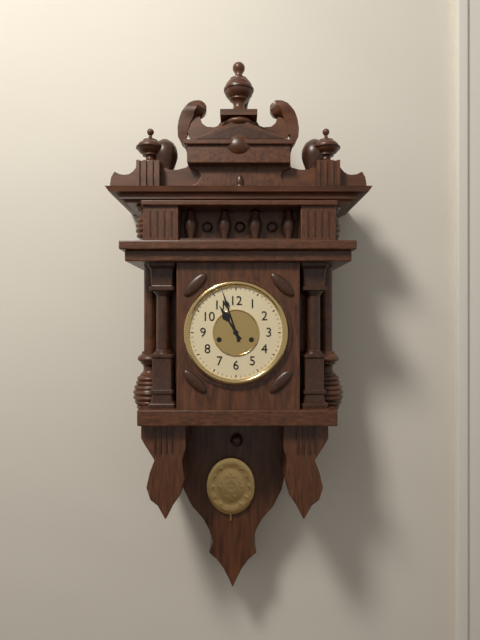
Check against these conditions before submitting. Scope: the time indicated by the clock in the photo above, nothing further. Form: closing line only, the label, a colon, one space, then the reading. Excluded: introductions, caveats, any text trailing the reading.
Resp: 10:57
